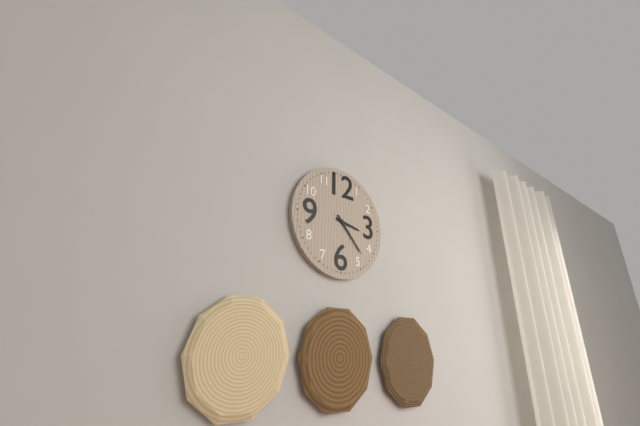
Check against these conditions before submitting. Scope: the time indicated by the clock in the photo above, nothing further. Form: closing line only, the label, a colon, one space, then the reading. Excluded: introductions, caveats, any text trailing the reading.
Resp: 3:23
